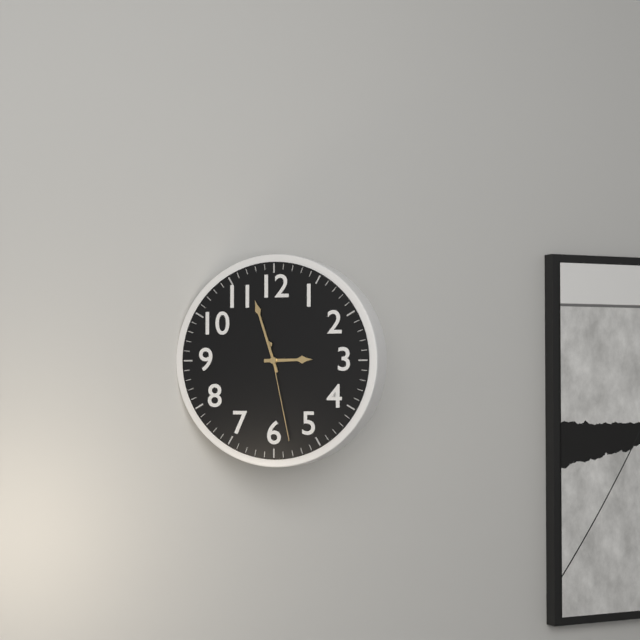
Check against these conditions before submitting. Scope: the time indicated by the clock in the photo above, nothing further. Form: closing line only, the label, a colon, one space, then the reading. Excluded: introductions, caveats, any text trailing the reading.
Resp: 2:57:28
